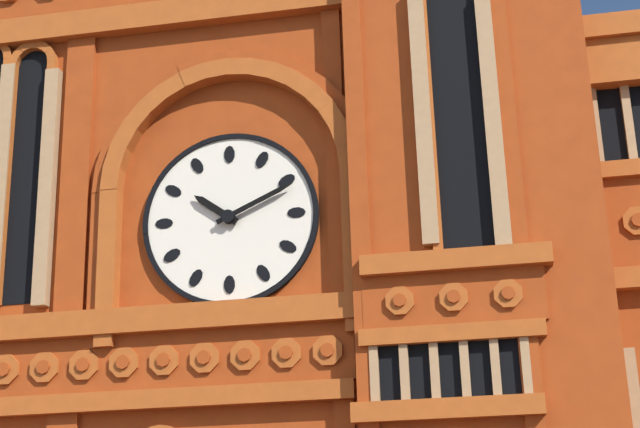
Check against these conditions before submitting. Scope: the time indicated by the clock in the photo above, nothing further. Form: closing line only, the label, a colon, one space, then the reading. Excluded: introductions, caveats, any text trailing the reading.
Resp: 10:11
